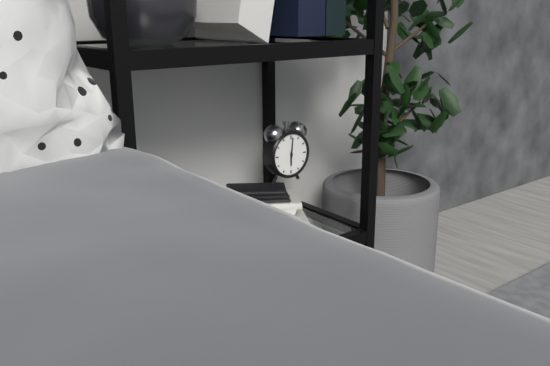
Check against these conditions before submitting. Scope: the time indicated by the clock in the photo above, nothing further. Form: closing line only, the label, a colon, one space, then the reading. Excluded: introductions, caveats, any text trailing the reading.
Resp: 6:01
